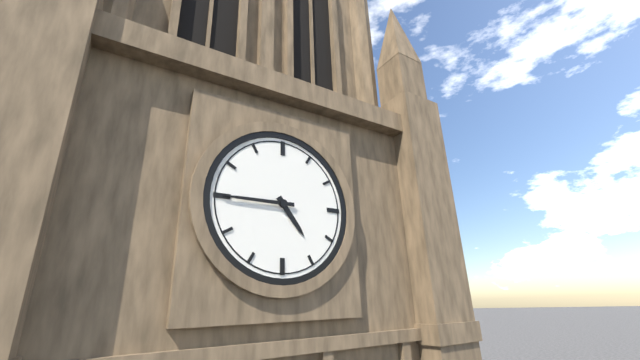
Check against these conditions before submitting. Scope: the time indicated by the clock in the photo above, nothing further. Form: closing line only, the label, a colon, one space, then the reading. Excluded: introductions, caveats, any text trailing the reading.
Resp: 4:45
